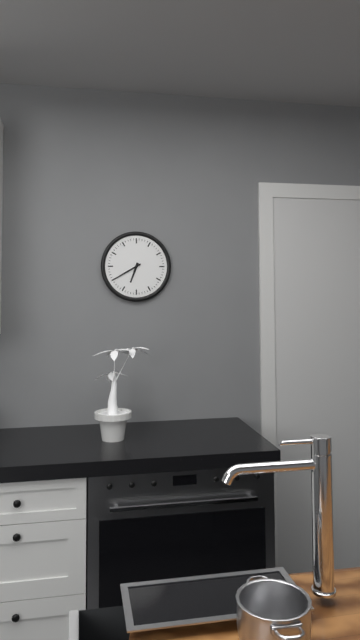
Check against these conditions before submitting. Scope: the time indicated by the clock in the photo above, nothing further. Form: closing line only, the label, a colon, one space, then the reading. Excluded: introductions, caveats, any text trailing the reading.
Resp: 6:40
